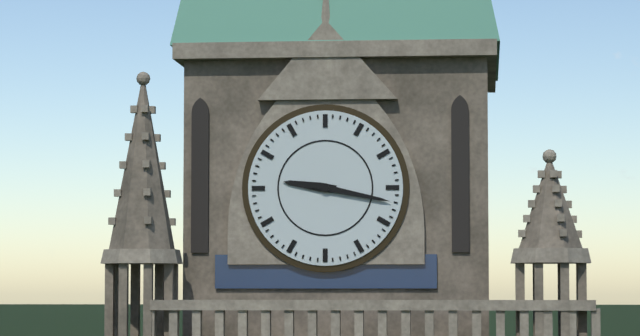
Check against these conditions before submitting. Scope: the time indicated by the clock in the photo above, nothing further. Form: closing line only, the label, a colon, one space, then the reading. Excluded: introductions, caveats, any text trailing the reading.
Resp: 9:17
